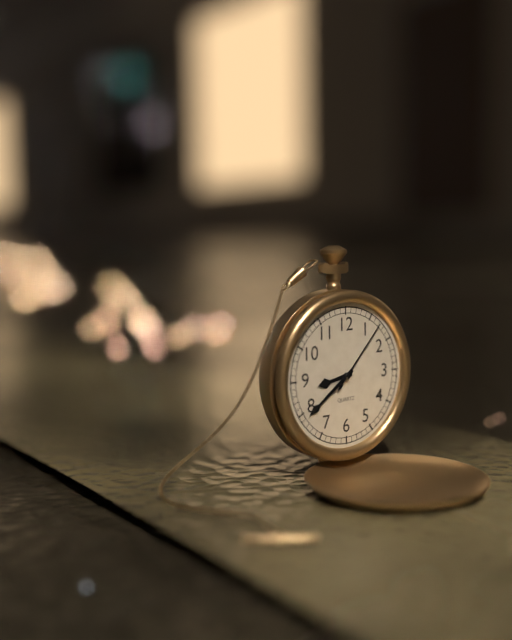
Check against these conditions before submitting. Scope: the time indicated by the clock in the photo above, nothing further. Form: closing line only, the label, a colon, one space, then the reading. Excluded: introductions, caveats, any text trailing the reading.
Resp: 8:39:07
